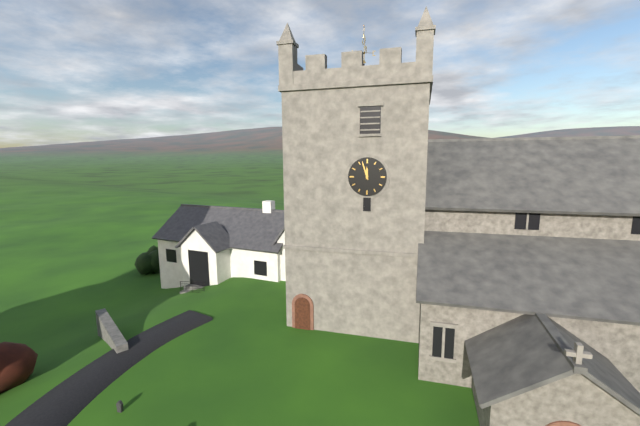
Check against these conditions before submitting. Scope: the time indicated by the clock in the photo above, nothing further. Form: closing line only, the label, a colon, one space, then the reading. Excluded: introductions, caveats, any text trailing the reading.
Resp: 11:57
